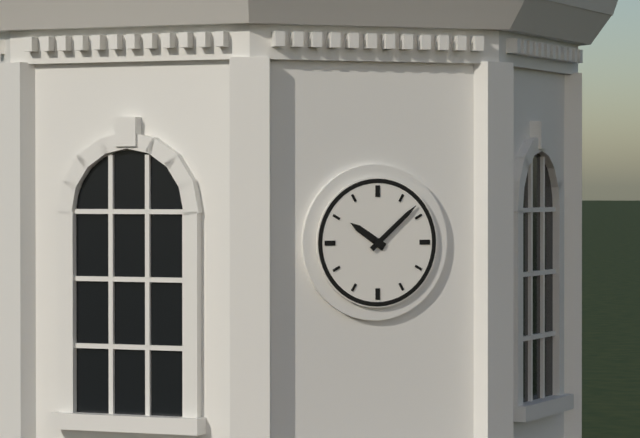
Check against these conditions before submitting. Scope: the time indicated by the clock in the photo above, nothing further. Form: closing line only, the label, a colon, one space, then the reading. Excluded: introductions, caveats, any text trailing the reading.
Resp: 10:08
